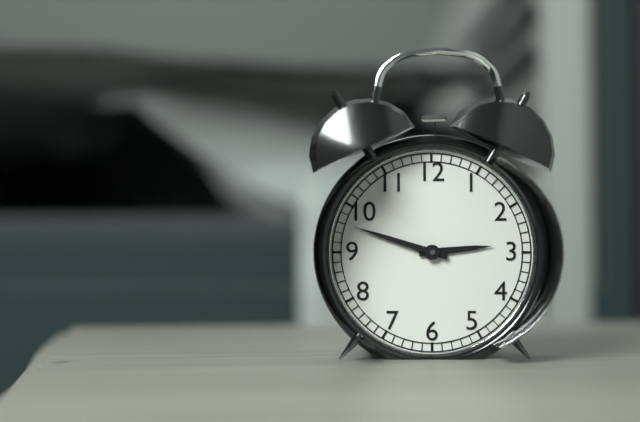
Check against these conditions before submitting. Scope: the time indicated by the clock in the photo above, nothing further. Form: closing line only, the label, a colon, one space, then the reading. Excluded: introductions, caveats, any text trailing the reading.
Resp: 2:48
